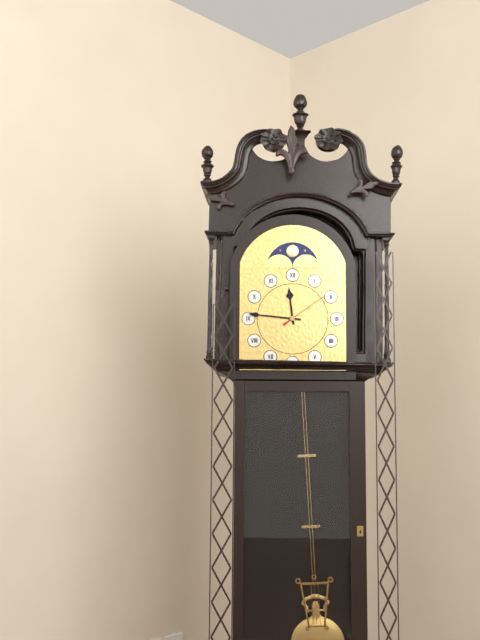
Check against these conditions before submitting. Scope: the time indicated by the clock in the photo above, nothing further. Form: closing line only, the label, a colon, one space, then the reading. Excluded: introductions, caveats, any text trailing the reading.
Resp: 11:46
